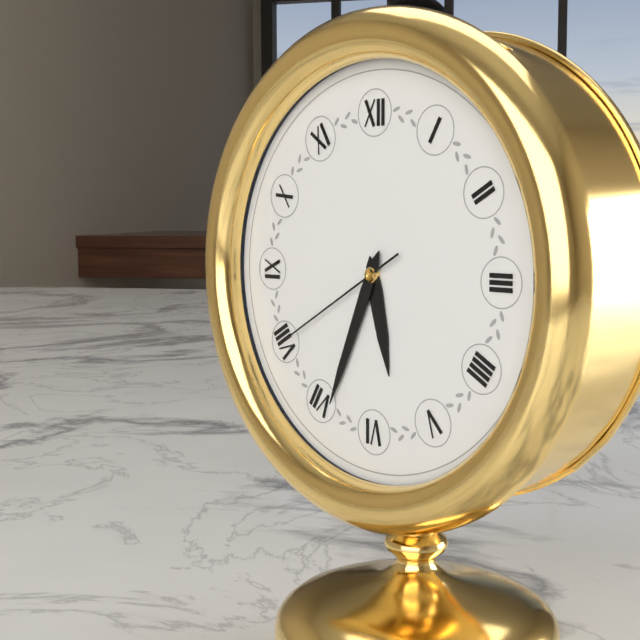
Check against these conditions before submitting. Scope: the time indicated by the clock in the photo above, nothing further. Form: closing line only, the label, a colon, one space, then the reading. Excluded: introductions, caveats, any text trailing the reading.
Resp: 5:34:40
